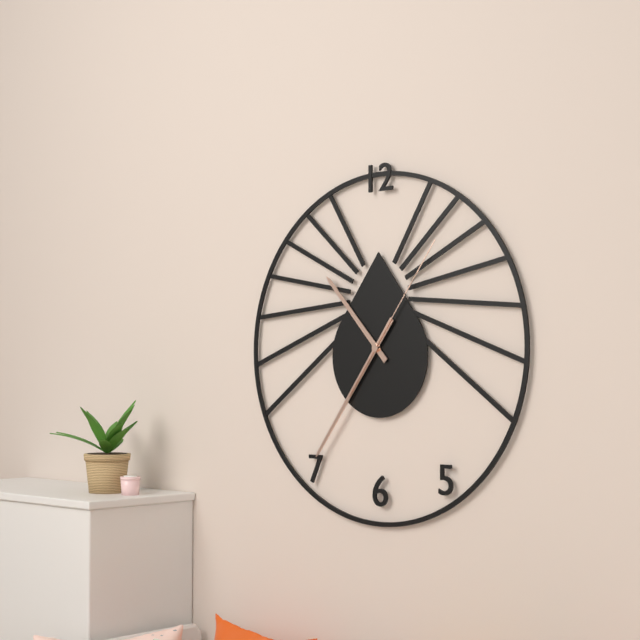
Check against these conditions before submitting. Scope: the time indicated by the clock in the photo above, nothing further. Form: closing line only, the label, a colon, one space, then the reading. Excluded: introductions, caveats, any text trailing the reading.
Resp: 10:36:06
